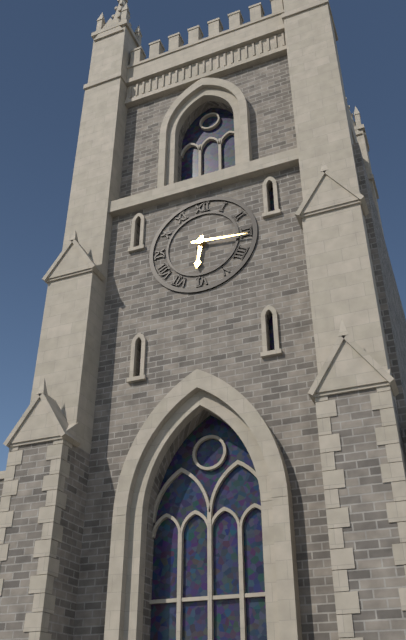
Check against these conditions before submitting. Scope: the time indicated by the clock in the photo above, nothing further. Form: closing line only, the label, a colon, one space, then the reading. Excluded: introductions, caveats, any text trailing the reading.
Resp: 6:16
